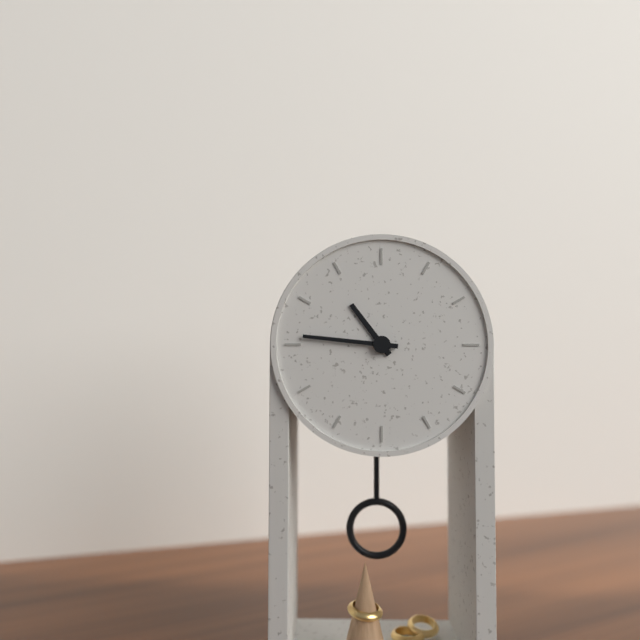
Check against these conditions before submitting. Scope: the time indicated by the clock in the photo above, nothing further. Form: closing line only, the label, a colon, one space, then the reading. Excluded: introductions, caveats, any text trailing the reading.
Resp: 10:46
